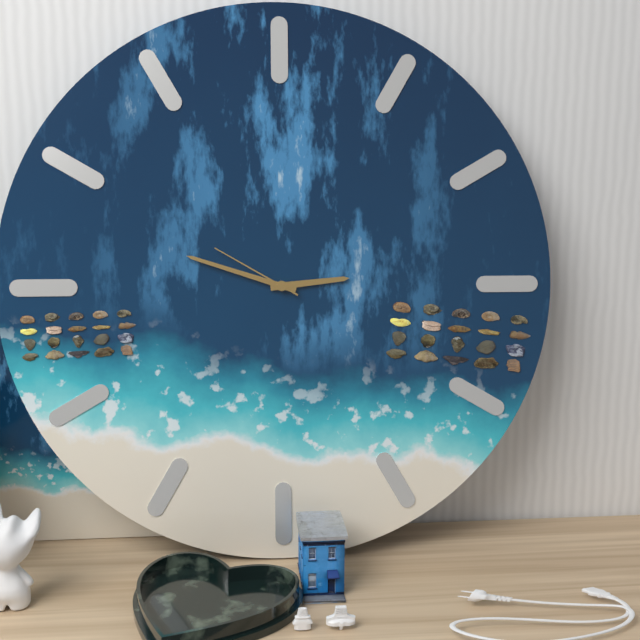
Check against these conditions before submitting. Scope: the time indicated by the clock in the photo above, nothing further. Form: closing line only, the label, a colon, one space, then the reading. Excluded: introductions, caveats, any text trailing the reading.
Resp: 2:48:50
